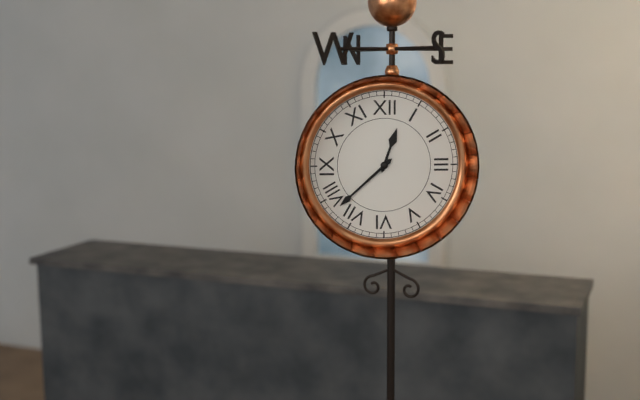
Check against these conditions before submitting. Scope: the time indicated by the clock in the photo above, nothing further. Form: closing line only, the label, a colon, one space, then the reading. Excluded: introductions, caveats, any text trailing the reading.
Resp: 12:38
